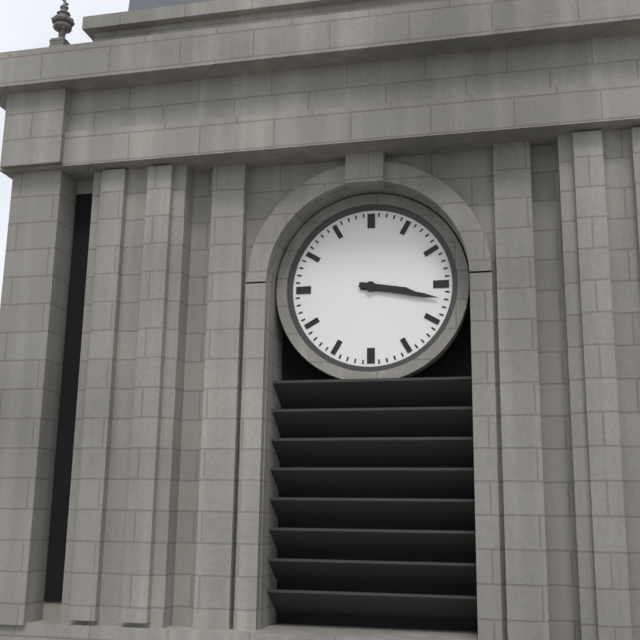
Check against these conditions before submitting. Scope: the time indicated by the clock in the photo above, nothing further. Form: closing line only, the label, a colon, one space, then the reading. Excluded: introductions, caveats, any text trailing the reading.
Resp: 3:17
